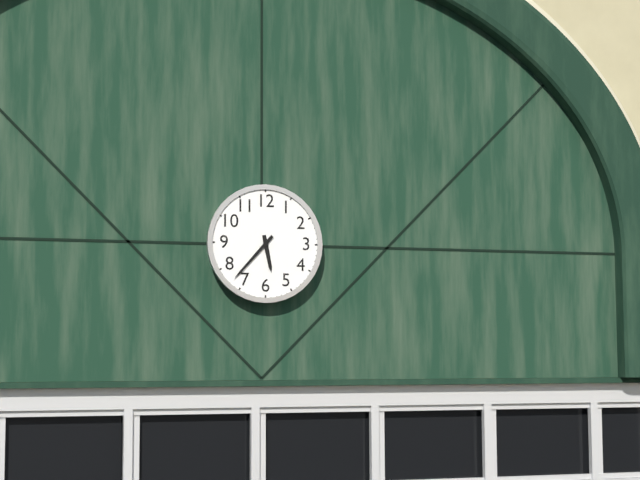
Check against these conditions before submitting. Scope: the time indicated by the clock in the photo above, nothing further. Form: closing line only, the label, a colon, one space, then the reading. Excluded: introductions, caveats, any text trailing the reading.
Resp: 5:37
